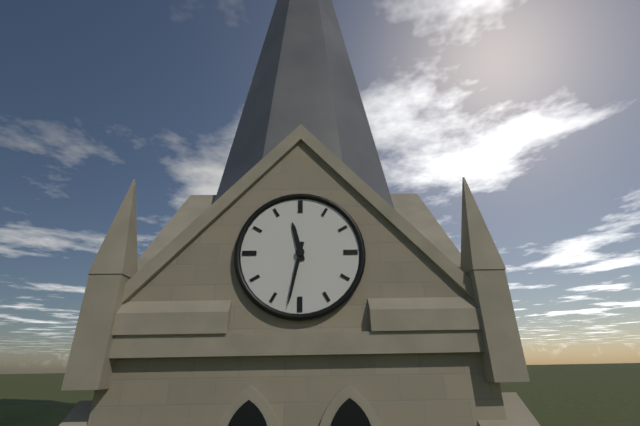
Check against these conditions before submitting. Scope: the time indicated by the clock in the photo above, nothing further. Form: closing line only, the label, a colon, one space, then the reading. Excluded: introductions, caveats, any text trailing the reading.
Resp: 11:32
